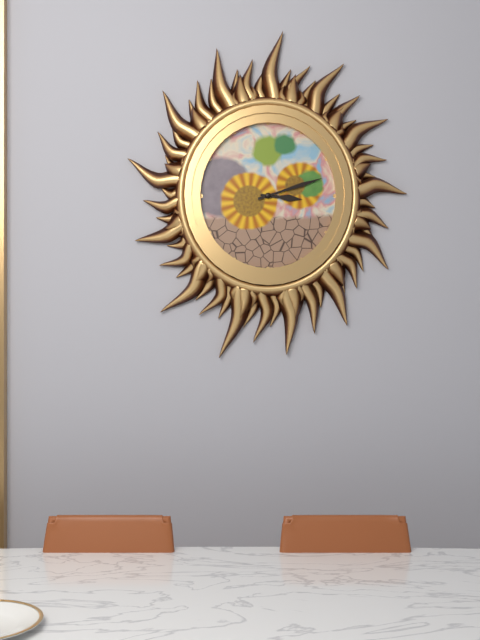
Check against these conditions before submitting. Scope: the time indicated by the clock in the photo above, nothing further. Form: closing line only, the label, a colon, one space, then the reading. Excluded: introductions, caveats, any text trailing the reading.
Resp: 3:12
